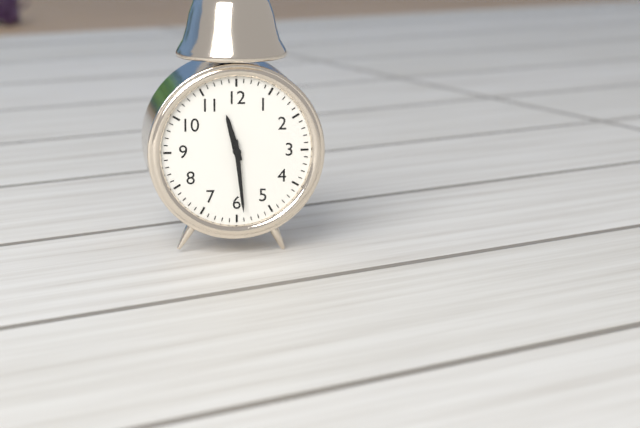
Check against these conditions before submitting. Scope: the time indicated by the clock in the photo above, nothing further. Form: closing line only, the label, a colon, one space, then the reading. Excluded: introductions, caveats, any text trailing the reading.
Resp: 11:29
